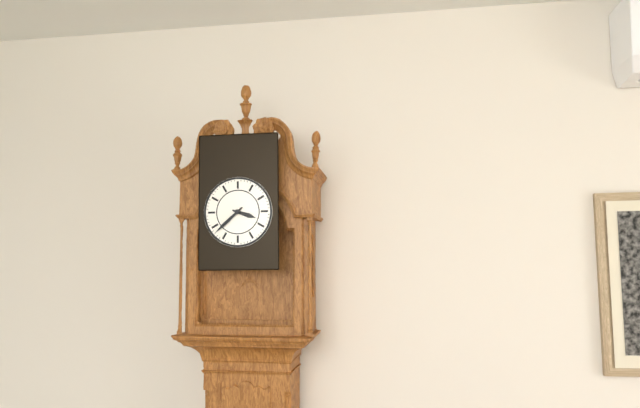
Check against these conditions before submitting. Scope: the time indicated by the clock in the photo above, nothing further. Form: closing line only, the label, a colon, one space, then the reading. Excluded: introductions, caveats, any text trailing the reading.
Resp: 3:38
